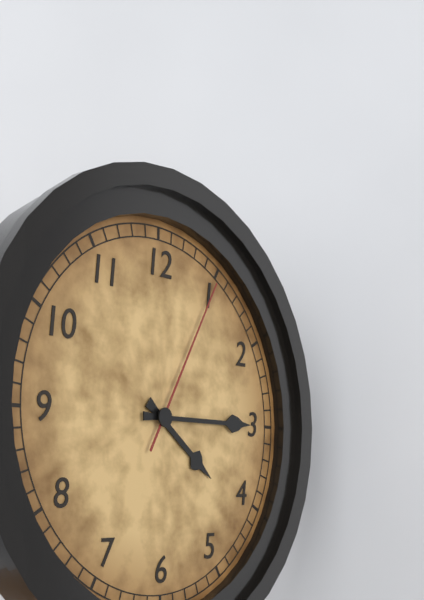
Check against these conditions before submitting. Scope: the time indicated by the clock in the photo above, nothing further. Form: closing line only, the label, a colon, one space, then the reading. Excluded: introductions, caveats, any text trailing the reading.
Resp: 4:15:05
